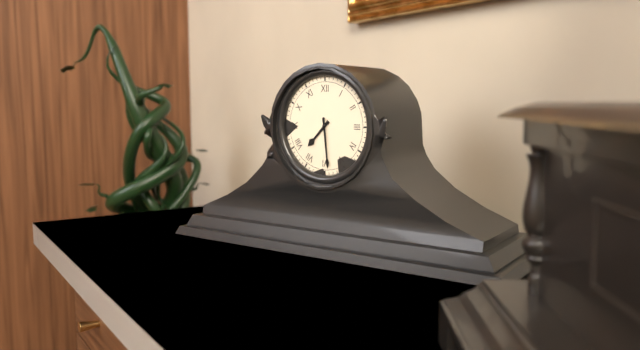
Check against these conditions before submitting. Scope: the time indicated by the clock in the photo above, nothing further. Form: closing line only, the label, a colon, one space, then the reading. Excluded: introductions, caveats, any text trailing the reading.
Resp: 7:29
